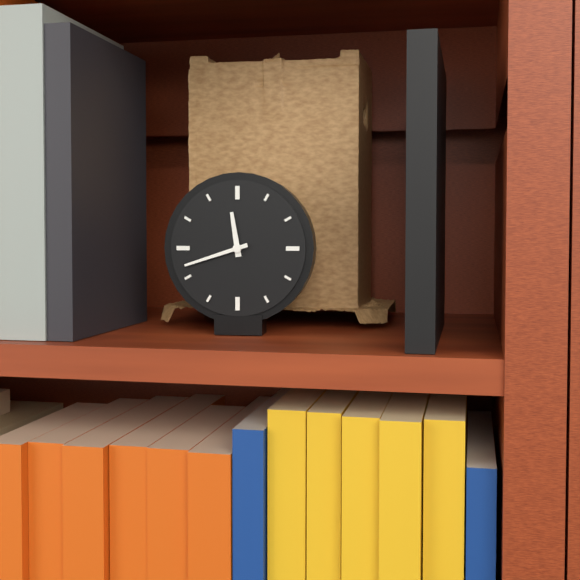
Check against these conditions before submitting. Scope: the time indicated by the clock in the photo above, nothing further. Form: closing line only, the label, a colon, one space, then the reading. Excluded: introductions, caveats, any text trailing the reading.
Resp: 11:42
